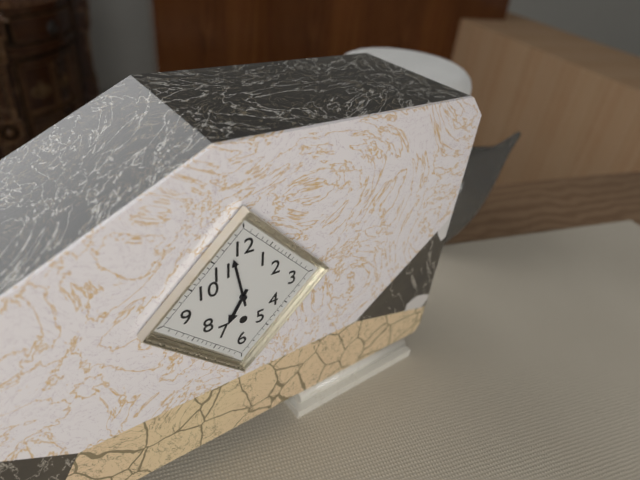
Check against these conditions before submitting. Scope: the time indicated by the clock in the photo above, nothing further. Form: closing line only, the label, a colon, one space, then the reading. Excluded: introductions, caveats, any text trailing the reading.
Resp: 6:58
